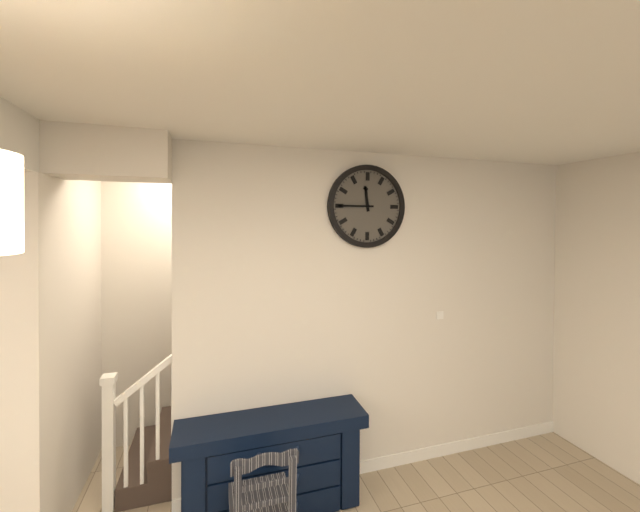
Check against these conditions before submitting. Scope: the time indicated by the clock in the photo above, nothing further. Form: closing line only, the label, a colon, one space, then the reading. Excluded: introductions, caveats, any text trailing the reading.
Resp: 11:45
